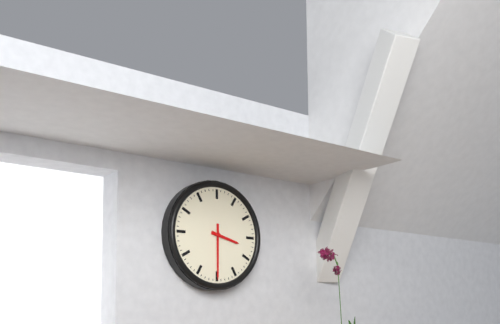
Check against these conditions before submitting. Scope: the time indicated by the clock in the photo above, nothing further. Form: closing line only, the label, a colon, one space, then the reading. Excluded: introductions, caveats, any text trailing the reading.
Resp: 3:30
